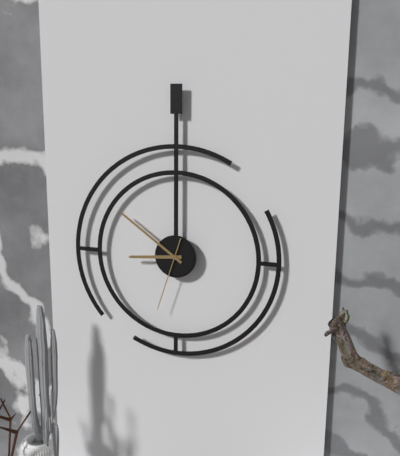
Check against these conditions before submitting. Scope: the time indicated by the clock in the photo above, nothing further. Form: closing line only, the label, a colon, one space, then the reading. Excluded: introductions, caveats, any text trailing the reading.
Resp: 8:51:33
